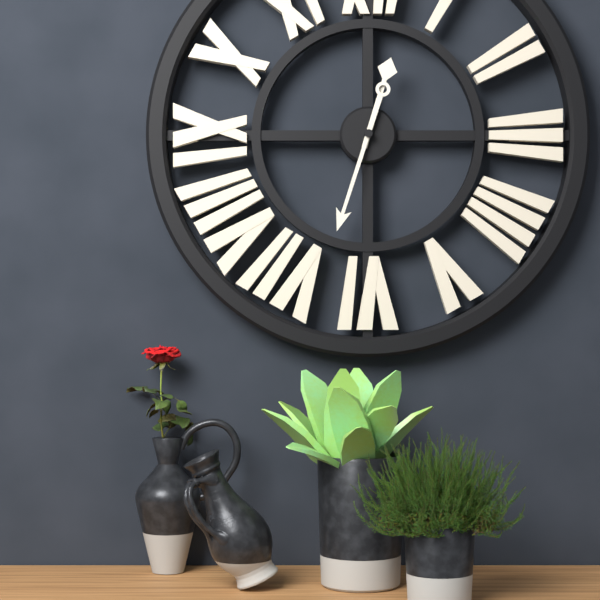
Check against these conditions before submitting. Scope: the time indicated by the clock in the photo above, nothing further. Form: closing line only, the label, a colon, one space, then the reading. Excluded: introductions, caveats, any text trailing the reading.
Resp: 12:33
